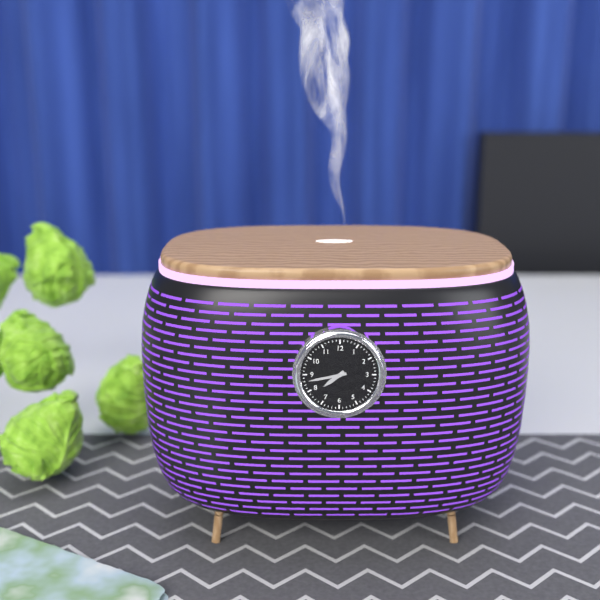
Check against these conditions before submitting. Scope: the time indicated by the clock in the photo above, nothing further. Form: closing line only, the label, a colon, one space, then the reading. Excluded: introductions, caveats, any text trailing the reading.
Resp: 7:43
